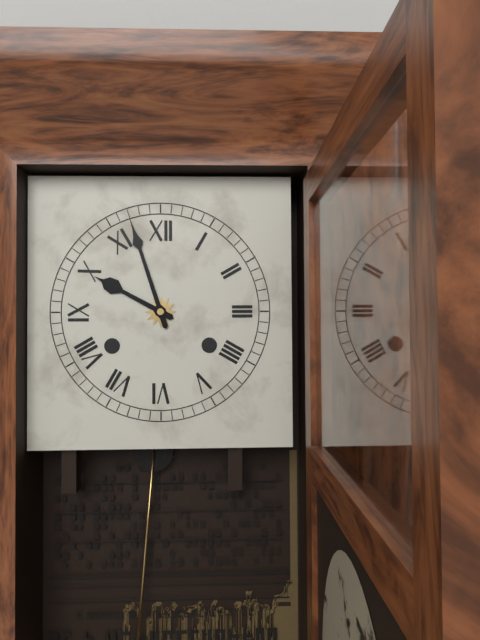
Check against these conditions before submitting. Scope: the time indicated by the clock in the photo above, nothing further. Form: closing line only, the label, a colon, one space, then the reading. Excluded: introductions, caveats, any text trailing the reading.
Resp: 9:57
